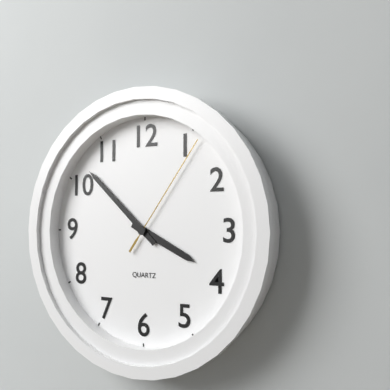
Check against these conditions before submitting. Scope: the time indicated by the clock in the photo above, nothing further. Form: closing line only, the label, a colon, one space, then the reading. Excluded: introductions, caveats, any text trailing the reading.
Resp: 3:52:06
